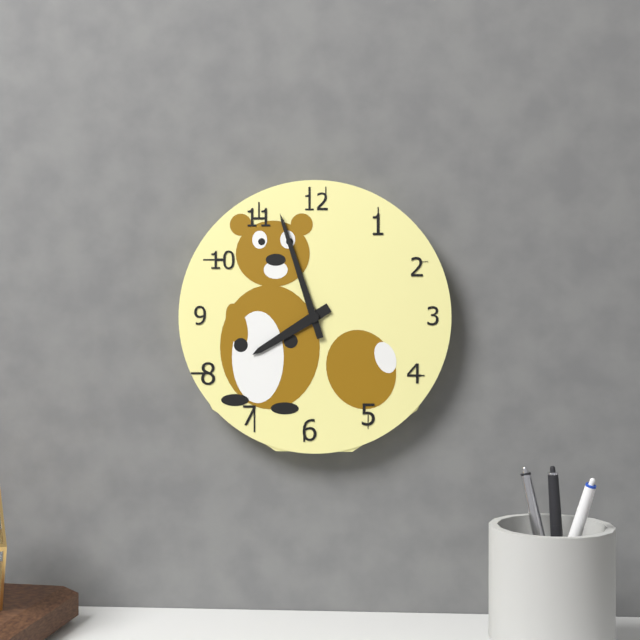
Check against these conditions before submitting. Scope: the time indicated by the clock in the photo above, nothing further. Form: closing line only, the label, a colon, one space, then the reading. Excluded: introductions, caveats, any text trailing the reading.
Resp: 7:57
